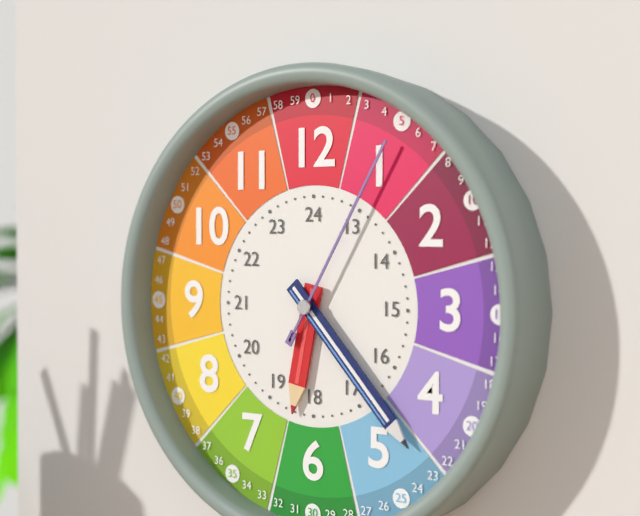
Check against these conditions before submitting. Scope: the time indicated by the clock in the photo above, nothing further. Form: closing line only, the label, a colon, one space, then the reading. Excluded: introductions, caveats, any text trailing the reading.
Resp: 6:23:05
